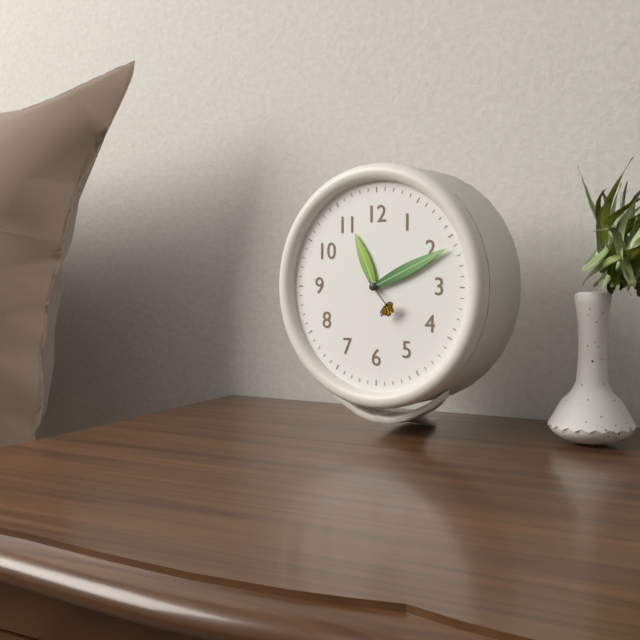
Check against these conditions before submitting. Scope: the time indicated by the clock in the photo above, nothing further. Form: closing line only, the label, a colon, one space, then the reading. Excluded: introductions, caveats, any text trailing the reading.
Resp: 11:11
